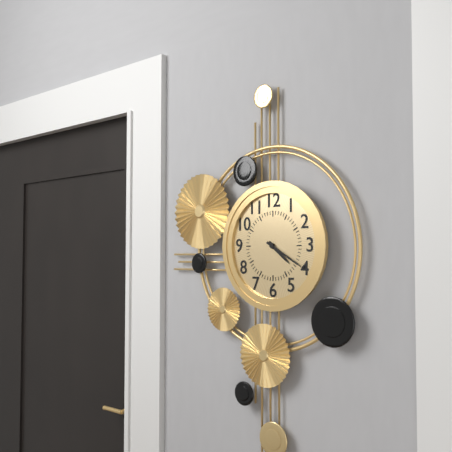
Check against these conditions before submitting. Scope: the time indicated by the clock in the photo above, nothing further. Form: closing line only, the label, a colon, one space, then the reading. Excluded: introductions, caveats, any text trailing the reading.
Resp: 4:20
